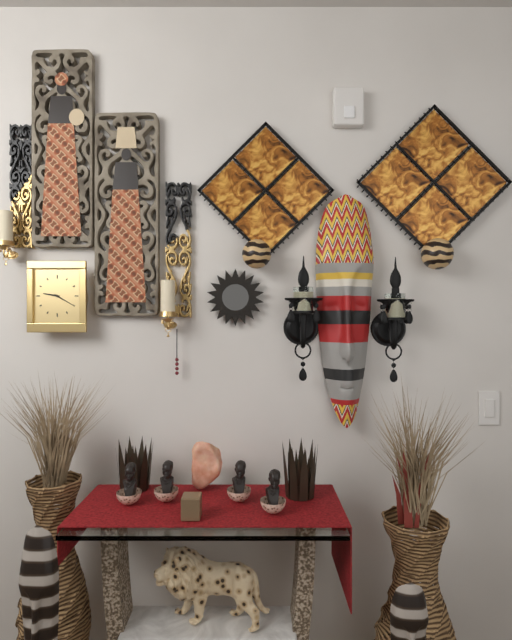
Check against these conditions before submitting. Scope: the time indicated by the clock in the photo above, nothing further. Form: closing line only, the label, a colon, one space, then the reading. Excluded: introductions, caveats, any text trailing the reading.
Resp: 9:20
